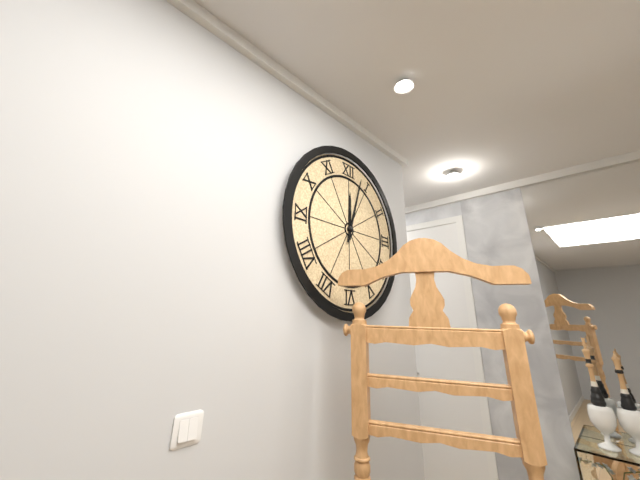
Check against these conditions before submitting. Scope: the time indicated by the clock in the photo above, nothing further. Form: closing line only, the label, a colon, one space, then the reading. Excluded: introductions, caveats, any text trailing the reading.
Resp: 12:03
